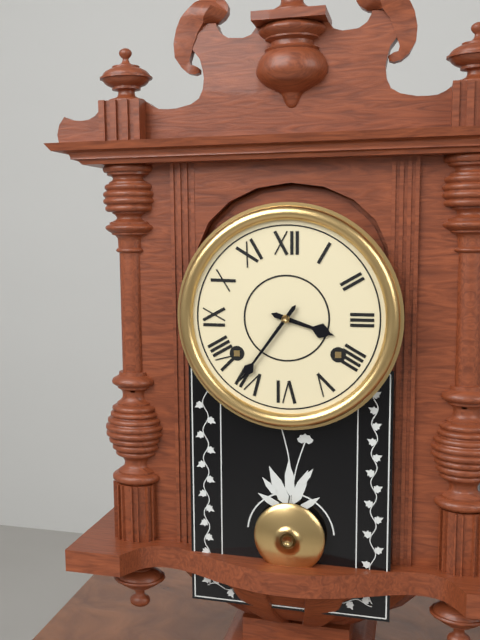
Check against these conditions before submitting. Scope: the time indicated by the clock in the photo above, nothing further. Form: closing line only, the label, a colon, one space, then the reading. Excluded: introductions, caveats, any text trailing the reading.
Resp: 3:36
